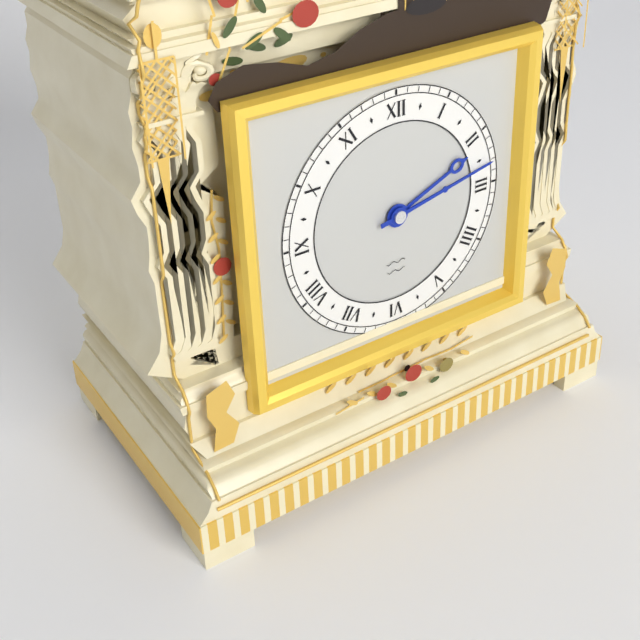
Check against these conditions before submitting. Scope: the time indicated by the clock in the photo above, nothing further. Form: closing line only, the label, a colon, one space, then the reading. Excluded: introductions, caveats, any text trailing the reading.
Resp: 2:13
